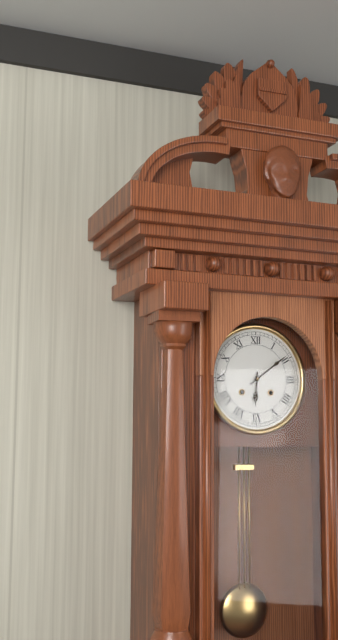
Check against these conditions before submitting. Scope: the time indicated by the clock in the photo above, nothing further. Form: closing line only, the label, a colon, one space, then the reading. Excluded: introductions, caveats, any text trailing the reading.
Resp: 6:09
